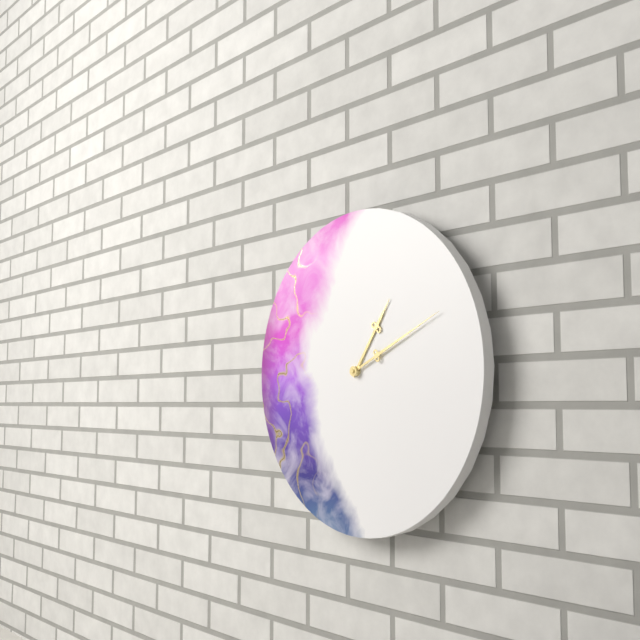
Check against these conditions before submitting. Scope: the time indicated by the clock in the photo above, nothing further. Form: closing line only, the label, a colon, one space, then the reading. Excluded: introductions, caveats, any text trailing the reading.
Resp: 1:11
